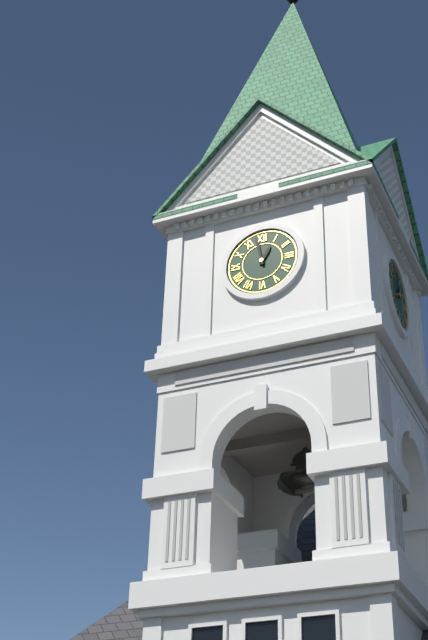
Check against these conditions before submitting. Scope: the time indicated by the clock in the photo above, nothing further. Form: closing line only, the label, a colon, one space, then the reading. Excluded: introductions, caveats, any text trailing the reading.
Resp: 12:58
